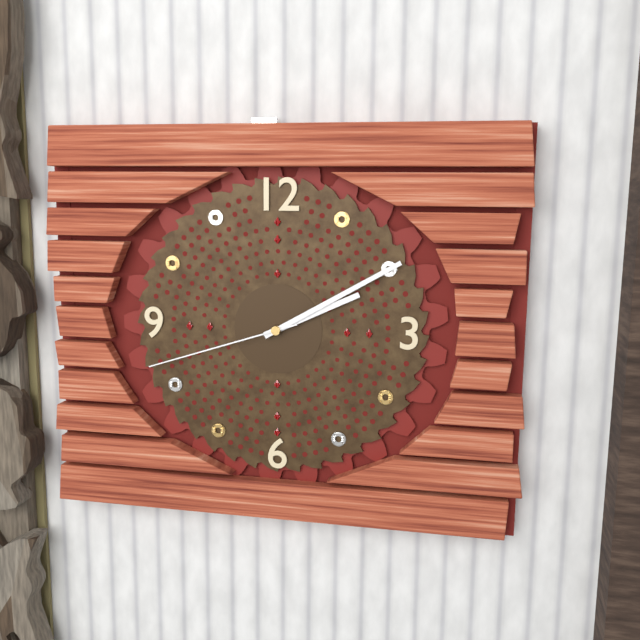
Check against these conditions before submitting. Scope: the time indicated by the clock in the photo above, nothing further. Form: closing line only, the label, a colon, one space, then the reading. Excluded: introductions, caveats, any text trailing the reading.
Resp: 2:10:42
